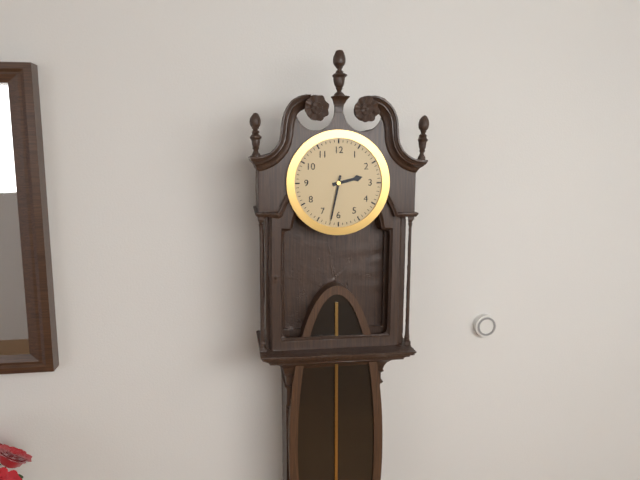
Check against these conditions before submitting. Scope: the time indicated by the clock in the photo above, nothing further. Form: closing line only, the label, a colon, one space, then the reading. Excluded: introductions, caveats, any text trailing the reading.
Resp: 2:32
